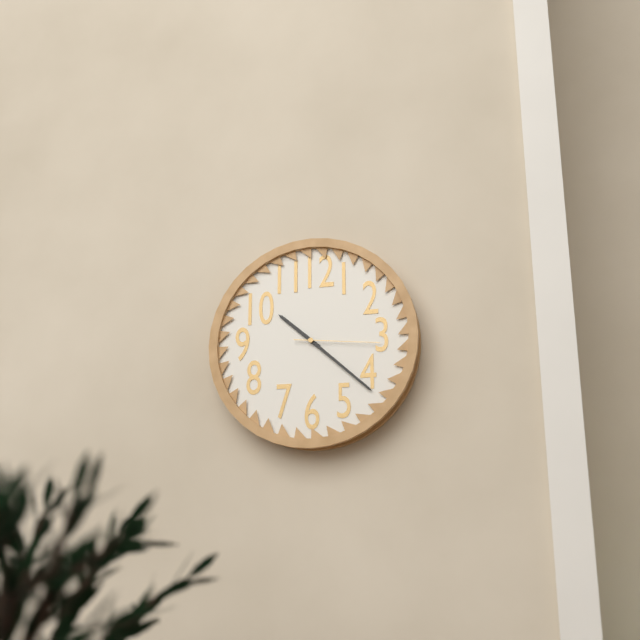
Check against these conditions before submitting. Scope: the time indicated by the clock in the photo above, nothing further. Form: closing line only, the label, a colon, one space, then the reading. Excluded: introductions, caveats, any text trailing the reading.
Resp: 10:22:16
